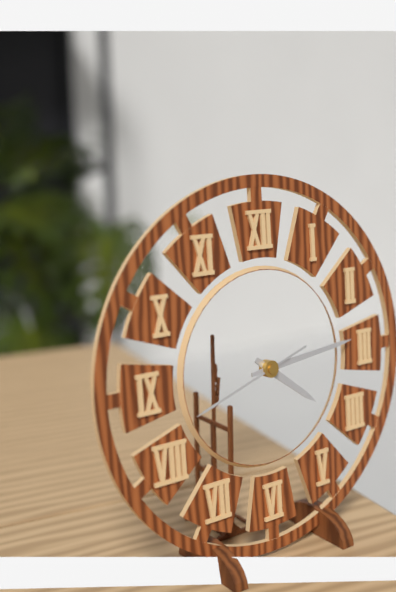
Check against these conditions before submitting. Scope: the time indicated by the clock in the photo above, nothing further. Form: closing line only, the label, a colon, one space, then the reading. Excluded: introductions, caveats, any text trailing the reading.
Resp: 4:14:42
